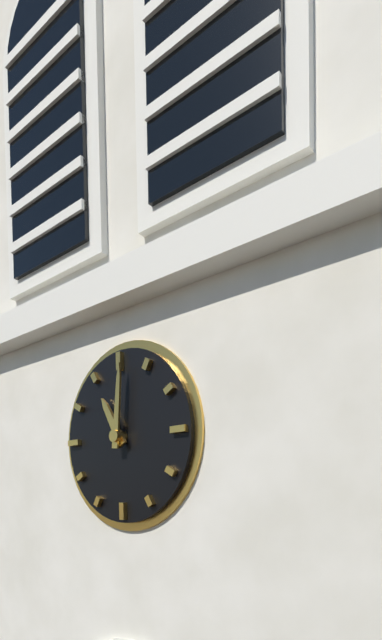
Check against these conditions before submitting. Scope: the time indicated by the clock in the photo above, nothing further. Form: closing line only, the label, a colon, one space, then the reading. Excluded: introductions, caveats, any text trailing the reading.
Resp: 11:01
